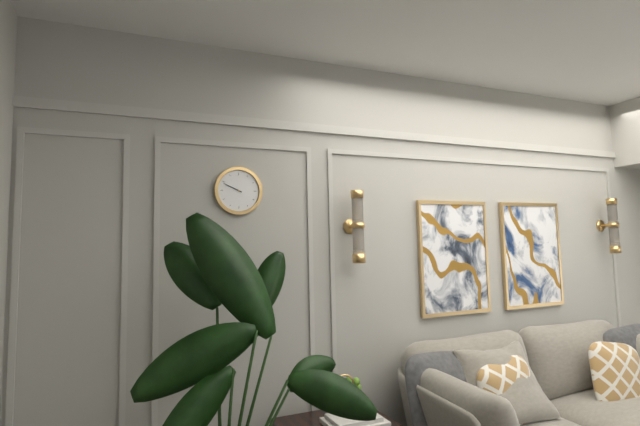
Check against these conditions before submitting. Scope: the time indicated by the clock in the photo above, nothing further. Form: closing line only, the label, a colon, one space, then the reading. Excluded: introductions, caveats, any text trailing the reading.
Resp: 9:49
